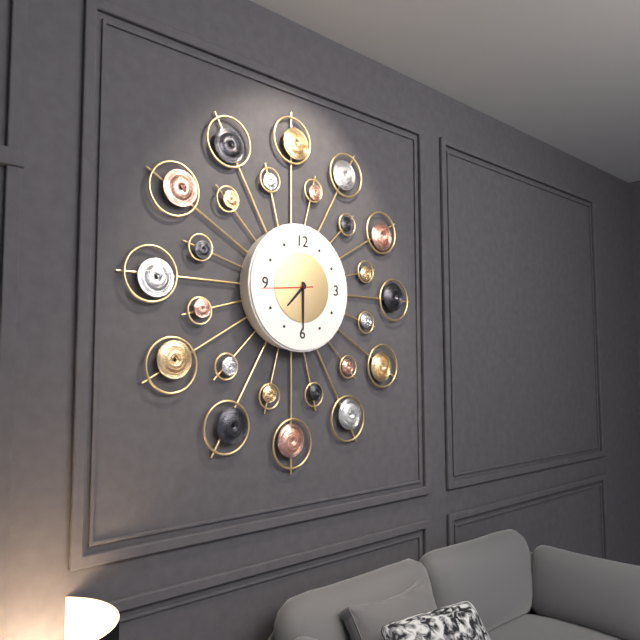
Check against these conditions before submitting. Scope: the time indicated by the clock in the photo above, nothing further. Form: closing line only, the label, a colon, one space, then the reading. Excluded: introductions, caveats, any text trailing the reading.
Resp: 7:30:44
